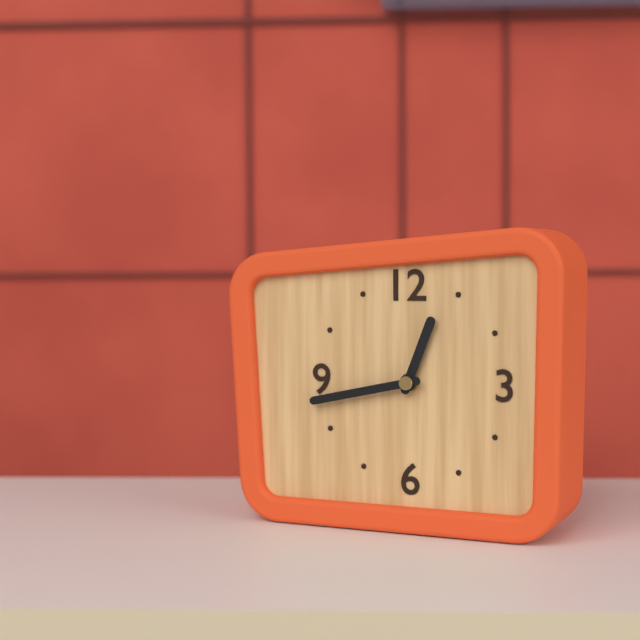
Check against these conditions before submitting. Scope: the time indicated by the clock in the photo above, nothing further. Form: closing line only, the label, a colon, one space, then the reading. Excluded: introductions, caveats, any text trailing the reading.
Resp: 12:43
